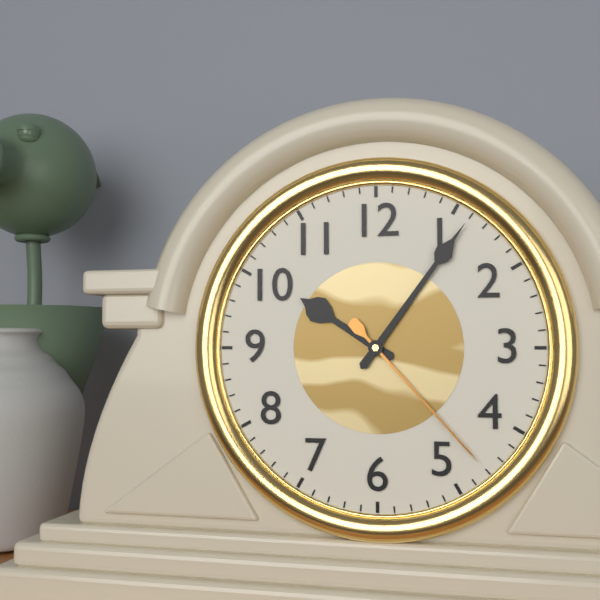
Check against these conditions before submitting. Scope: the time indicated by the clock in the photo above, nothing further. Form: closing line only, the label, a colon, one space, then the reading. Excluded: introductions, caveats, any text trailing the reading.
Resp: 10:06:23
